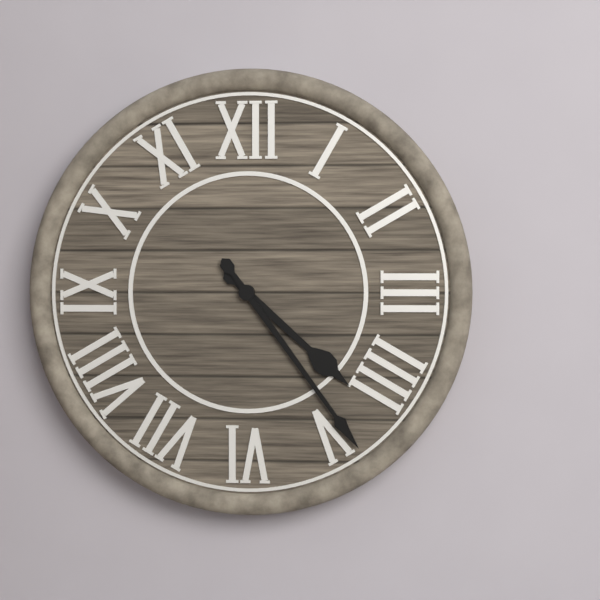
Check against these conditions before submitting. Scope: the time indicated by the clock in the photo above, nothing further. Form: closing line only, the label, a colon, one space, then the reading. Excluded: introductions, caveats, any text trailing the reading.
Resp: 4:24
